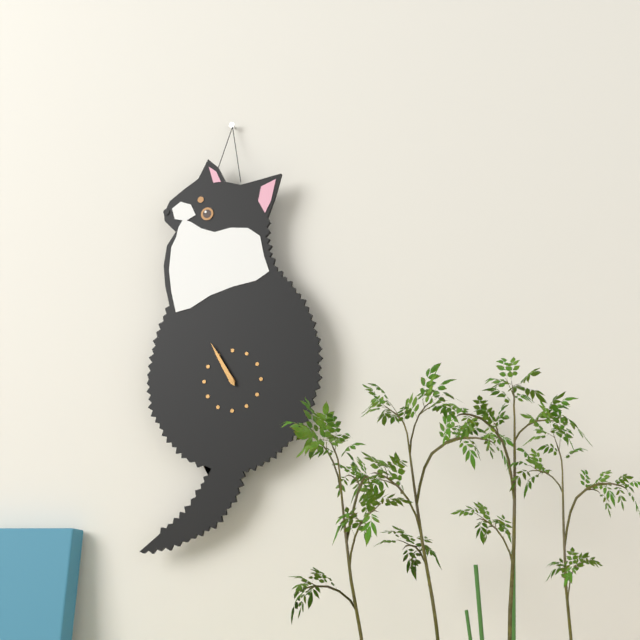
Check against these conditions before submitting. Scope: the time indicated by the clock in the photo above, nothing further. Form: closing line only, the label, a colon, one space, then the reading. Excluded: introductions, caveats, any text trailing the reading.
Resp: 10:55
